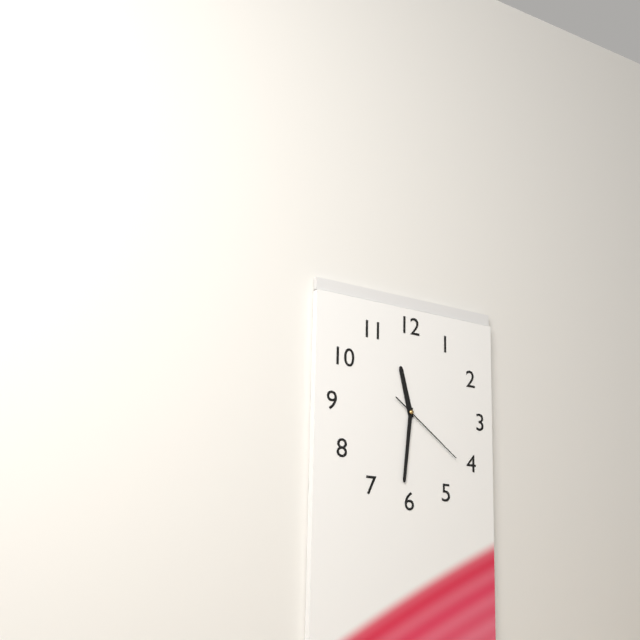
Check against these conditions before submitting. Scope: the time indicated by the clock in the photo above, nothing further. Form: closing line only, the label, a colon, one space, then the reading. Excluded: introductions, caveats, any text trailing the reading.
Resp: 11:31:21
